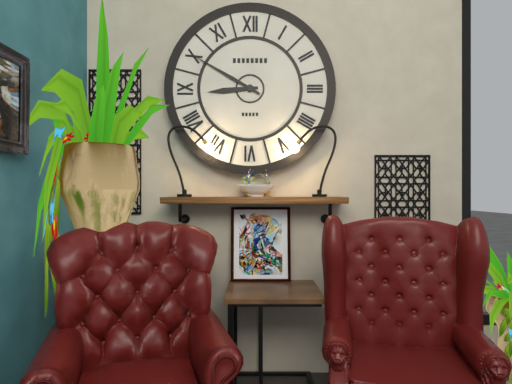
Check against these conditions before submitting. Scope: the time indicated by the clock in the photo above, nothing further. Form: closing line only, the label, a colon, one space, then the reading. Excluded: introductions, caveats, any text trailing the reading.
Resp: 8:50
